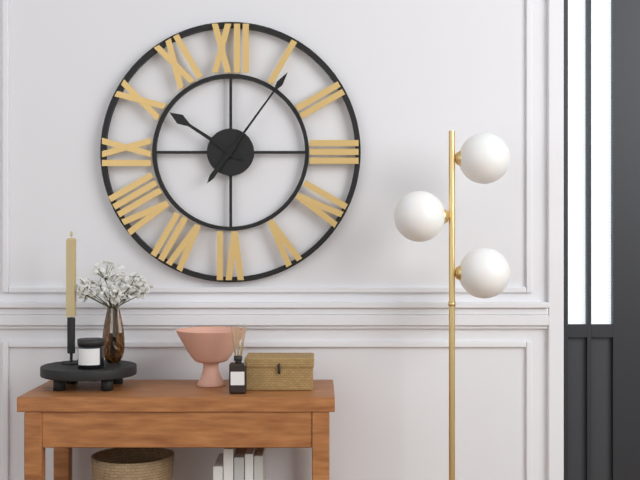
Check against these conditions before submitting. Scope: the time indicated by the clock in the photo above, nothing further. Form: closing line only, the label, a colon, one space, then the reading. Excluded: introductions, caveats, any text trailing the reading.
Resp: 10:06
